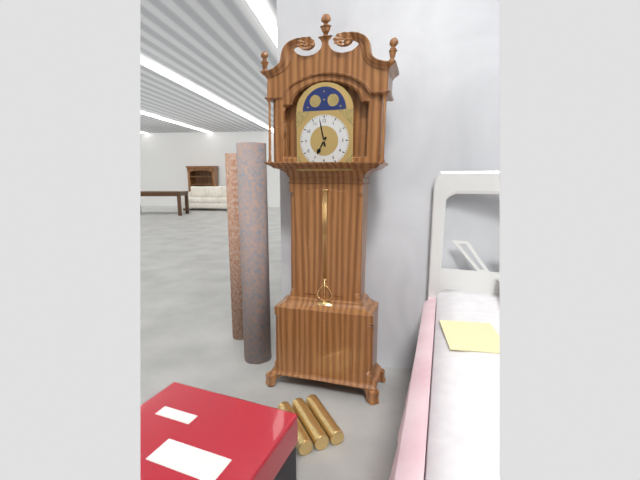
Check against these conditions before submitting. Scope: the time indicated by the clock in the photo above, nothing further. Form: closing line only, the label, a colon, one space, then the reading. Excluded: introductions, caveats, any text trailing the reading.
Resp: 6:58
